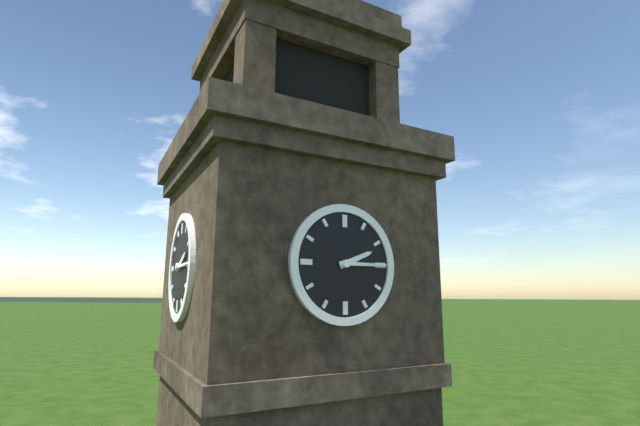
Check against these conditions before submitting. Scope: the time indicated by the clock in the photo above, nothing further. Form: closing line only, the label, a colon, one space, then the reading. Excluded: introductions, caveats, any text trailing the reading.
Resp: 2:15
